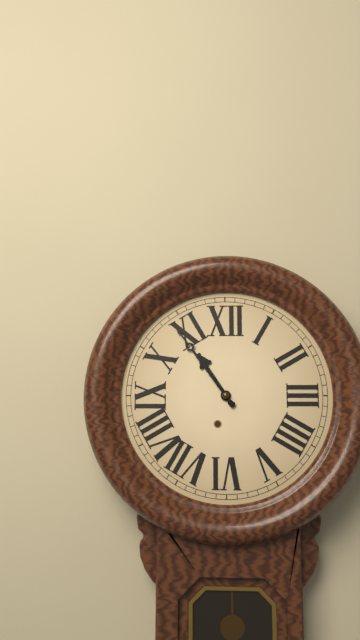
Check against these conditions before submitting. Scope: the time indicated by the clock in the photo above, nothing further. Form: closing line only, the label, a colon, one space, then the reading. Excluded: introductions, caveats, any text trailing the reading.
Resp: 10:54
